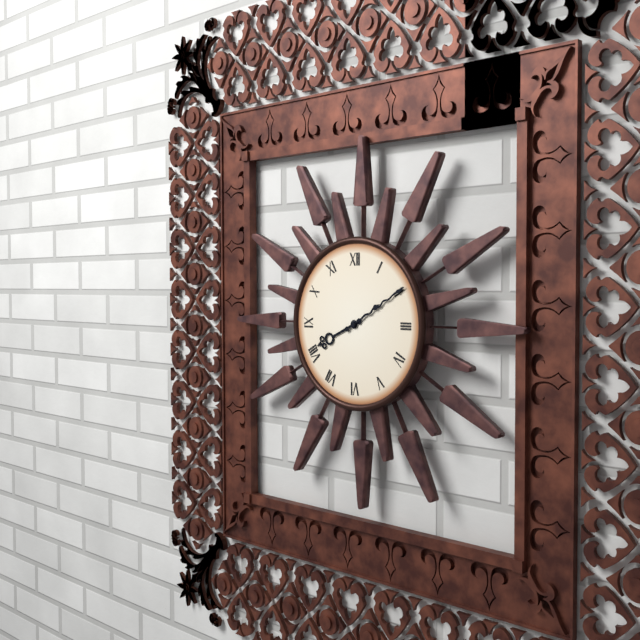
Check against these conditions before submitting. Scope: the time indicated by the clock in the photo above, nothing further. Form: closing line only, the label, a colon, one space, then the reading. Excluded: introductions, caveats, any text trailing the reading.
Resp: 8:10
